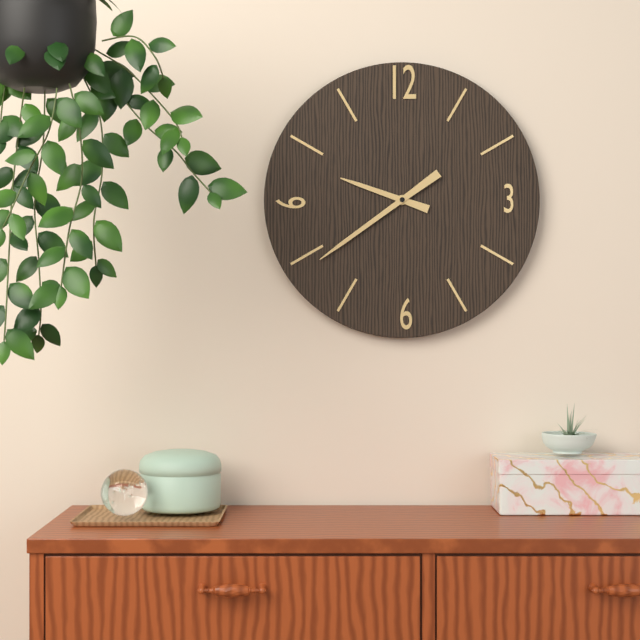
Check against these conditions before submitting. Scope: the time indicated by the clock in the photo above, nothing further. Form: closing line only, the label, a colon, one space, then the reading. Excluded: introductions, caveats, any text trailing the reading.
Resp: 9:39
